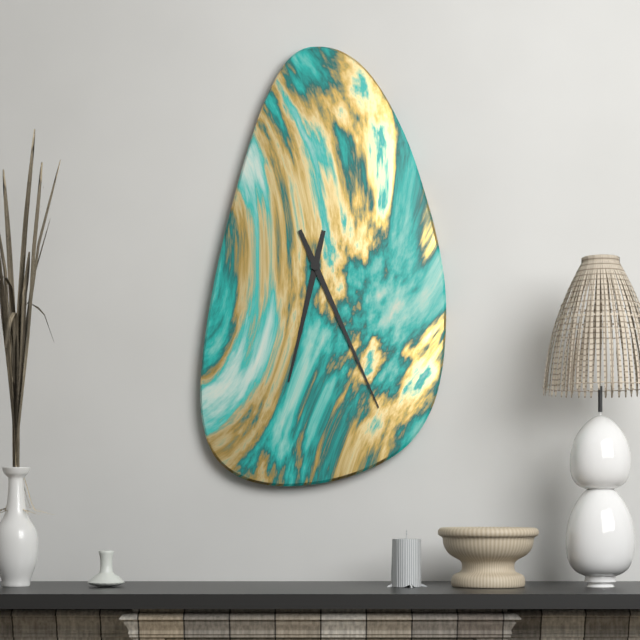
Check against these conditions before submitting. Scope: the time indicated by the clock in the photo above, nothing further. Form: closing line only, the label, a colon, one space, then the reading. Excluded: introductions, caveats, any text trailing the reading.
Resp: 6:26
